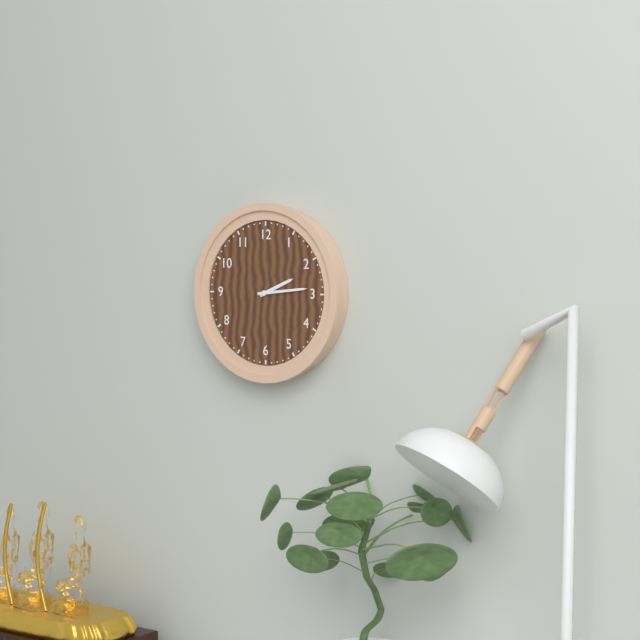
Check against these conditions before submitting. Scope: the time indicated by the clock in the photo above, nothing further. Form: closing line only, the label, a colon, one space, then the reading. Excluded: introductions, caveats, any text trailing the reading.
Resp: 2:14
